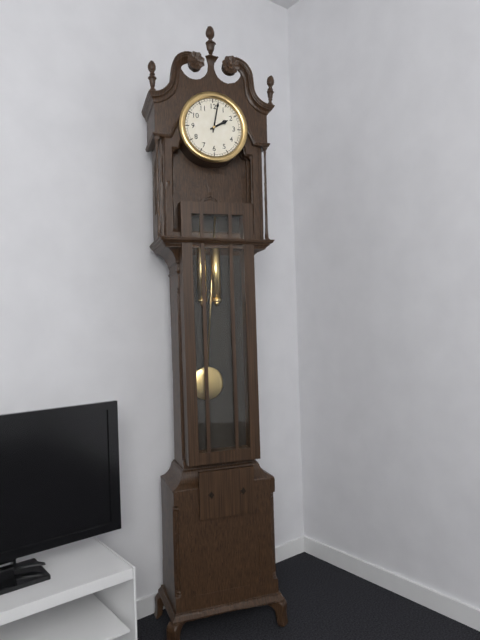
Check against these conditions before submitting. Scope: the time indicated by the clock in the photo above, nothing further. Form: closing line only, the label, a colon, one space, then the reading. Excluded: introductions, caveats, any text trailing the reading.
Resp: 2:02
